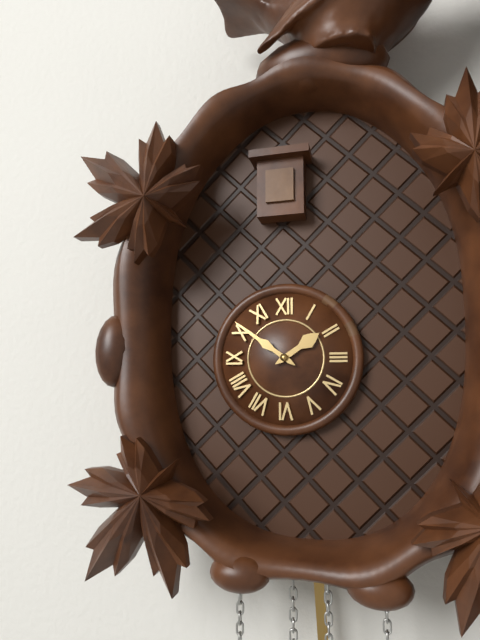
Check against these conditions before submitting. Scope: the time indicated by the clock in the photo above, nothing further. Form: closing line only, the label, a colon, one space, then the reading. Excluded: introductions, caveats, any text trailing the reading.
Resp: 1:51
